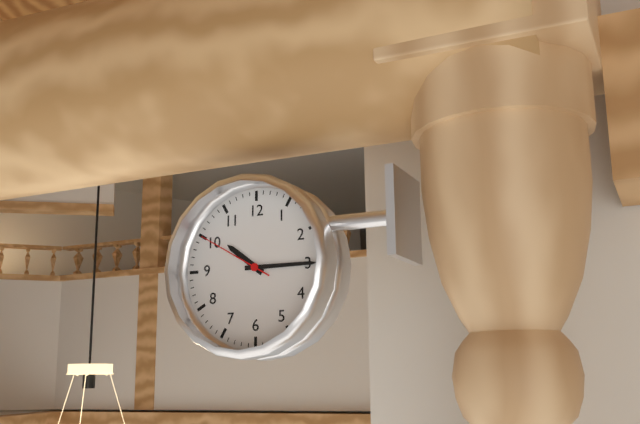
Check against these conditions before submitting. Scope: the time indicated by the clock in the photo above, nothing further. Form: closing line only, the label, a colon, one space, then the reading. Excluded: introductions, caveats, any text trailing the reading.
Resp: 10:15:50
